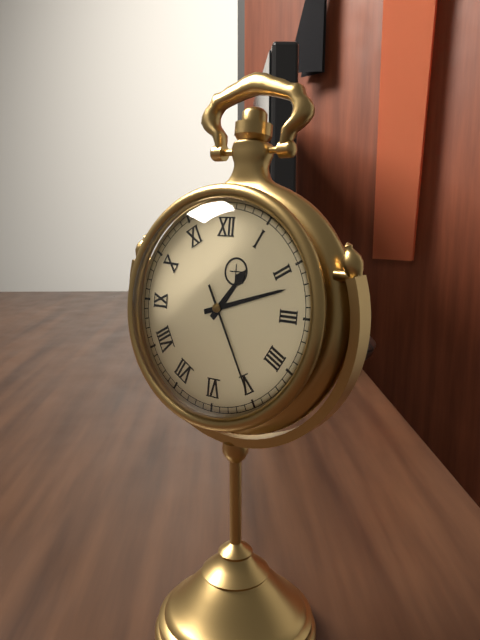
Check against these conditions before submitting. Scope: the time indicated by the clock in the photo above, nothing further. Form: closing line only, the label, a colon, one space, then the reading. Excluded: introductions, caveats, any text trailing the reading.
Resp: 1:12:25
